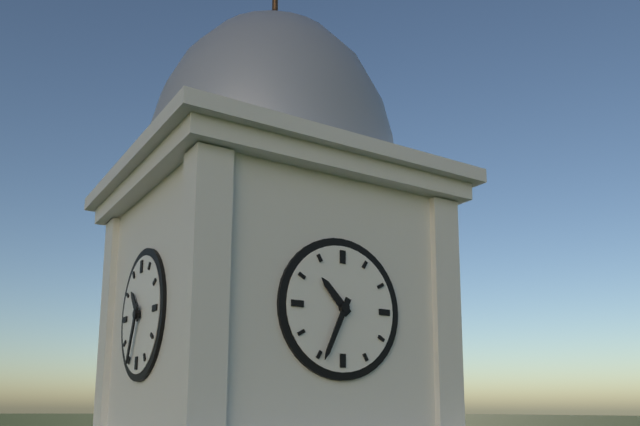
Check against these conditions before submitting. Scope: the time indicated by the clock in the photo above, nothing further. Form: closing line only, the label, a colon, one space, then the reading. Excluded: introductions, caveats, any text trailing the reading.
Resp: 10:34
